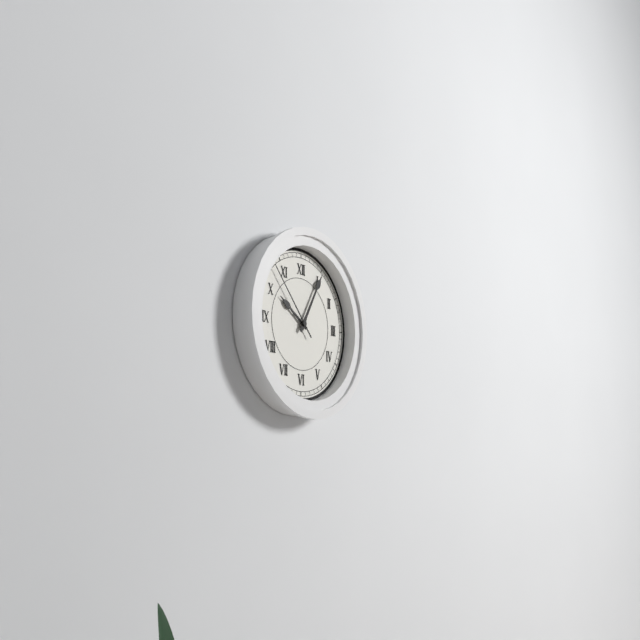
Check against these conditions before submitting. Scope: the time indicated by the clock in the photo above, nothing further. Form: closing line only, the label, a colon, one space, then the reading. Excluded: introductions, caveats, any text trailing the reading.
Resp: 10:05:53
